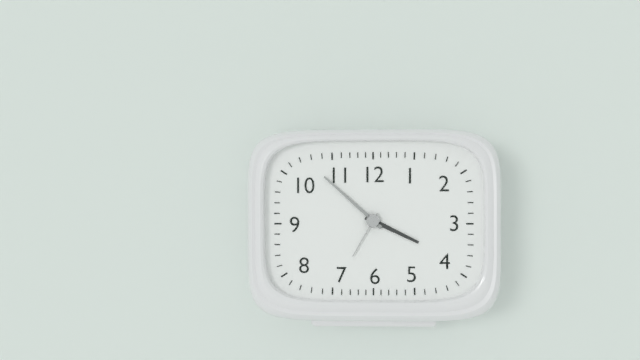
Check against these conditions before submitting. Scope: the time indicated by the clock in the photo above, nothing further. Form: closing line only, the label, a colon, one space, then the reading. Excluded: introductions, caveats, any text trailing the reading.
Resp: 3:52:35
